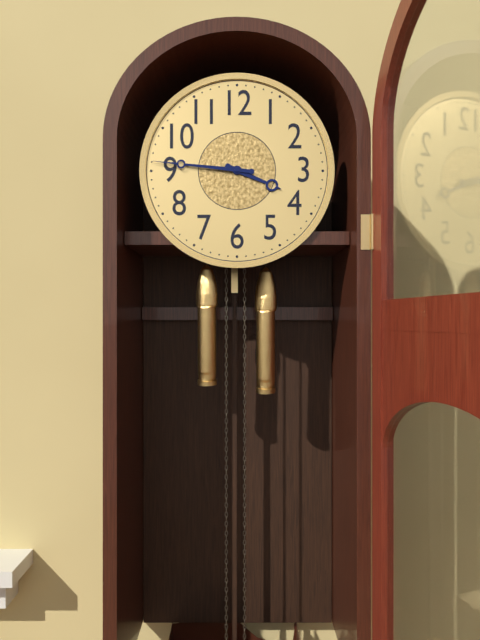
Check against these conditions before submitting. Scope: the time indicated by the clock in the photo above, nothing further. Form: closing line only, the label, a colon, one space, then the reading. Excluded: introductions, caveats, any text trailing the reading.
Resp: 3:46
